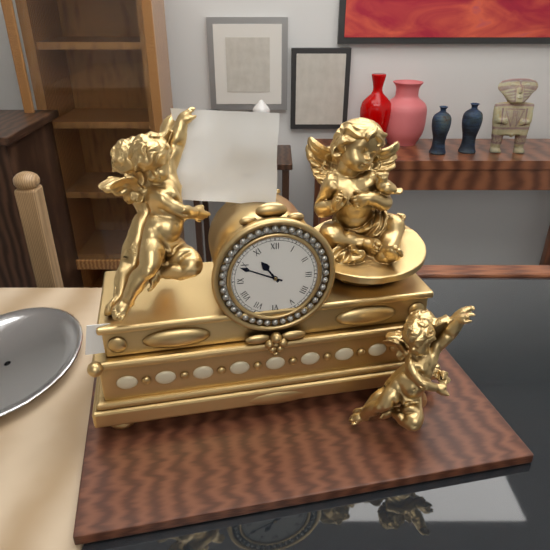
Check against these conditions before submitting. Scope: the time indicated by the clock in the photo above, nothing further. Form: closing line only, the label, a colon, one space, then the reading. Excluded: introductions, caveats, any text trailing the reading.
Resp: 10:49
